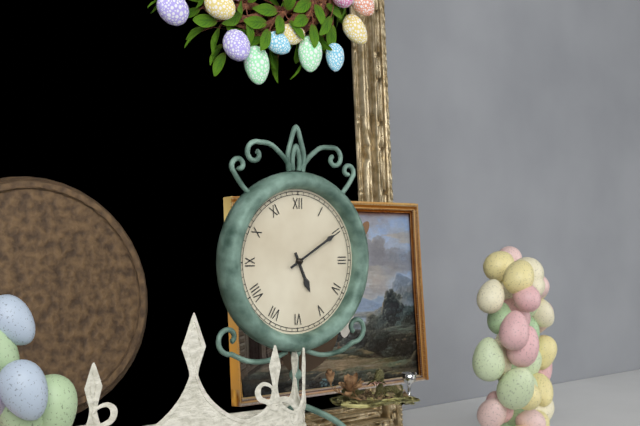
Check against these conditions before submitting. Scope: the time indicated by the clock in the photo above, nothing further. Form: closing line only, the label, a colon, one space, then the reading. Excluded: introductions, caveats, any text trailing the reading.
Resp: 5:10
